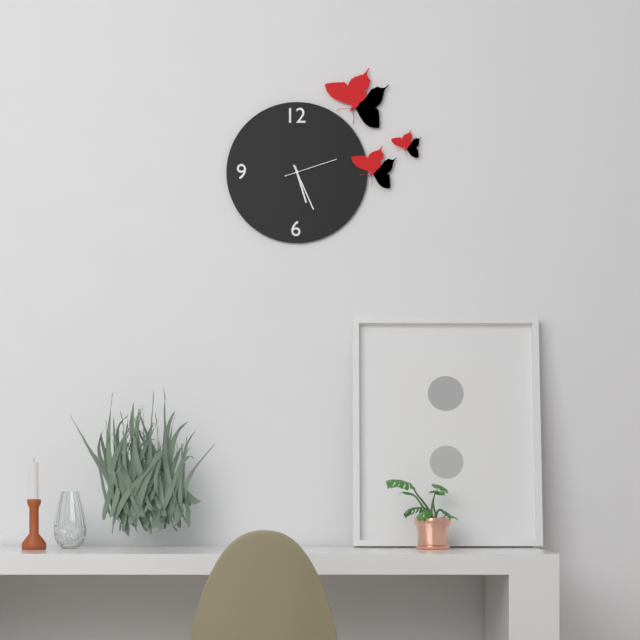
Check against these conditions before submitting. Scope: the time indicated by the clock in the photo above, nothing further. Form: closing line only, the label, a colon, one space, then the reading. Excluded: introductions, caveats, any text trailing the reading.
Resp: 5:26:12
